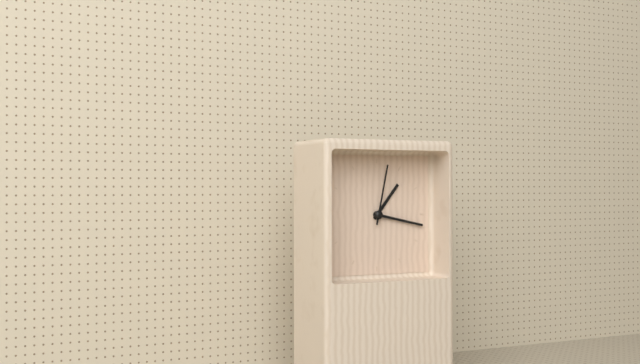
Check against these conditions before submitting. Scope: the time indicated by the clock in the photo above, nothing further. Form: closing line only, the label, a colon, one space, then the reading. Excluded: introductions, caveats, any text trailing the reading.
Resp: 1:17:02
